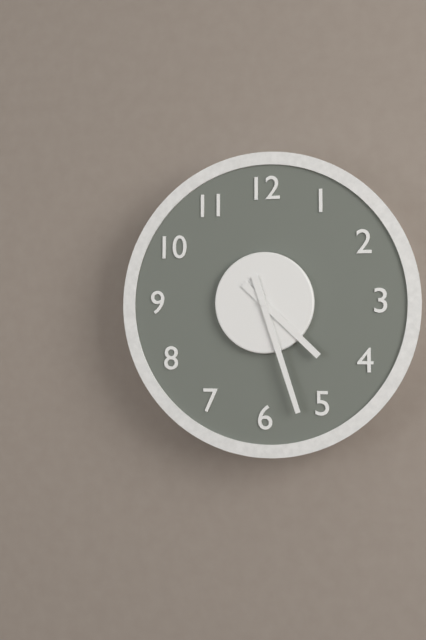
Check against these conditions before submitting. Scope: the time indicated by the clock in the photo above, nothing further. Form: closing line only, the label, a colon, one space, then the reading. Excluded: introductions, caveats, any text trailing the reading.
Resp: 4:27
